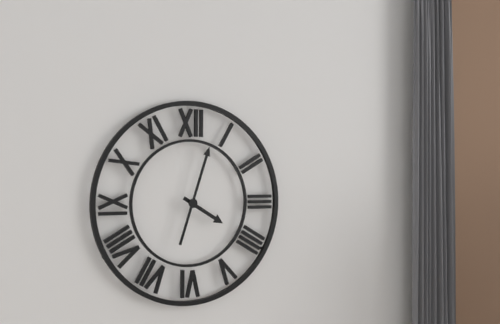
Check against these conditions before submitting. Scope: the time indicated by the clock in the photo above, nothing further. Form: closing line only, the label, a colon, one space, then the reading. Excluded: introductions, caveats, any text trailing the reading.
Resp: 4:03
